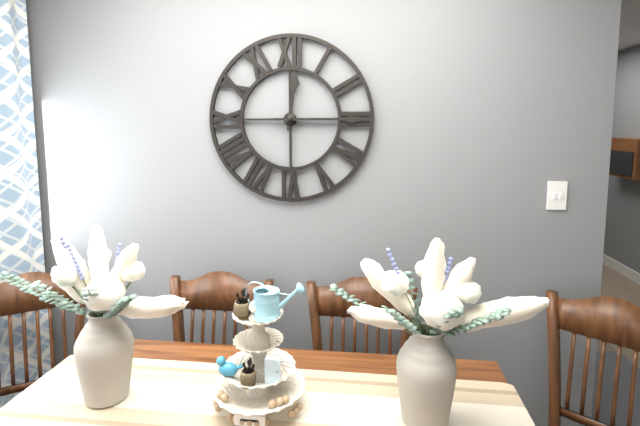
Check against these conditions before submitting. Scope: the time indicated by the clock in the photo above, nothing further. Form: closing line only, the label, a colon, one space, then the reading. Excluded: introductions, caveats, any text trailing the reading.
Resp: 12:15
